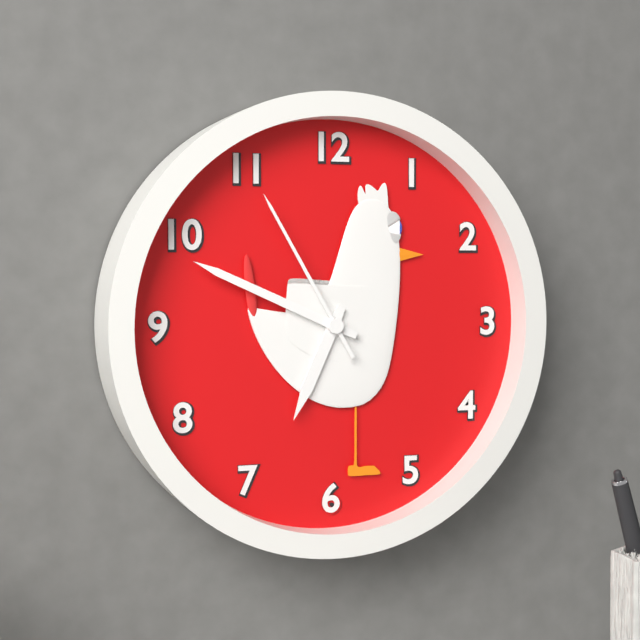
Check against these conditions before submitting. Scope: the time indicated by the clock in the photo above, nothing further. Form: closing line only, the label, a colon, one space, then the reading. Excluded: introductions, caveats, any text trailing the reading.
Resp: 6:49:55
